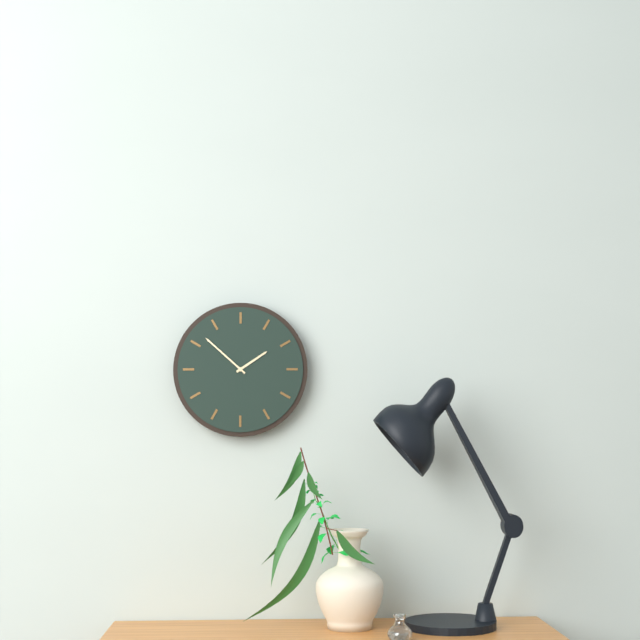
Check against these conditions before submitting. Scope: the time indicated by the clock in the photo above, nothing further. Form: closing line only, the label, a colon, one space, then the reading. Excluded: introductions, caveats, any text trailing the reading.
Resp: 1:52
